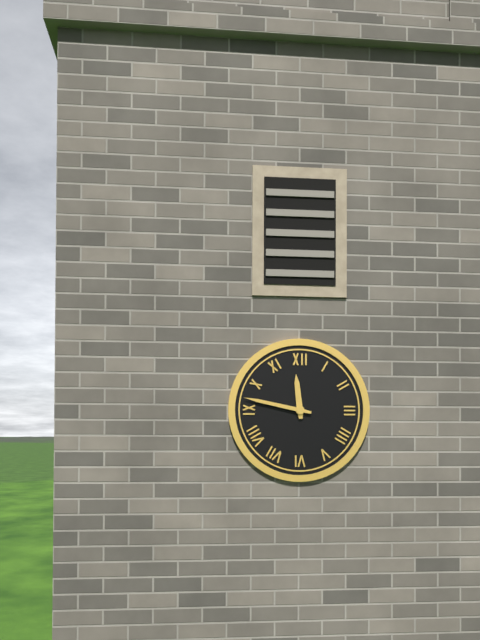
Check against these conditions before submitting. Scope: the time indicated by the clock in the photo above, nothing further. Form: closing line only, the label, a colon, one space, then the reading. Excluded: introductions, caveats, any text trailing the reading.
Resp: 11:47
